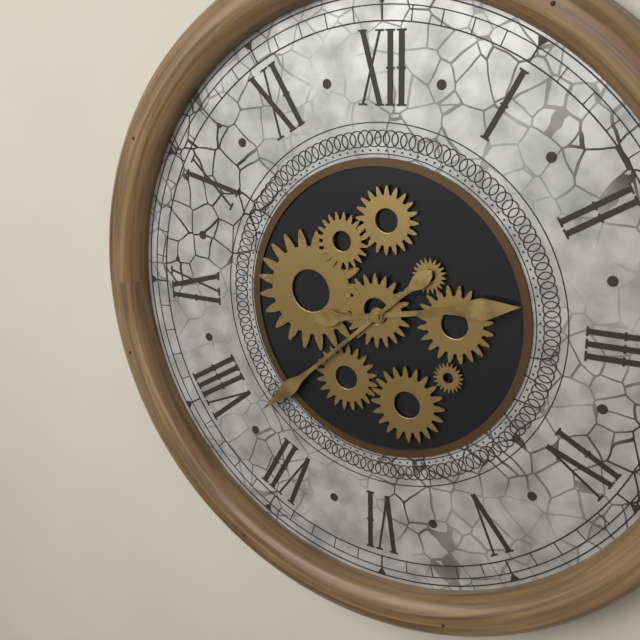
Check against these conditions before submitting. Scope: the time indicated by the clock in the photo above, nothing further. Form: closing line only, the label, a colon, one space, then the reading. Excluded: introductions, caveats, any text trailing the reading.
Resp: 2:38
